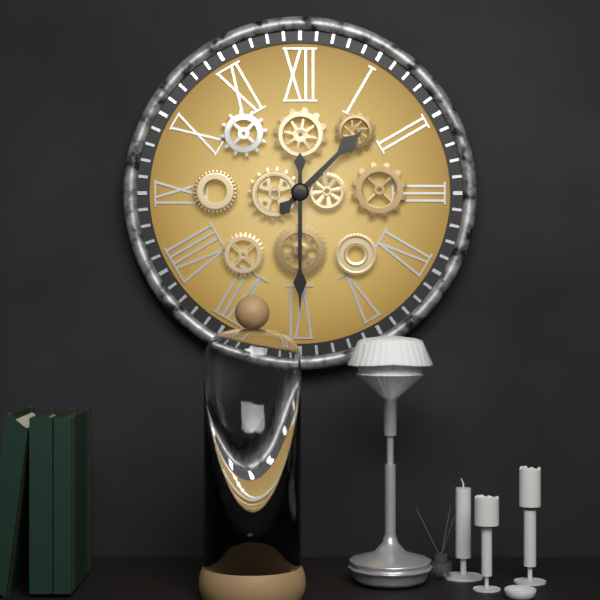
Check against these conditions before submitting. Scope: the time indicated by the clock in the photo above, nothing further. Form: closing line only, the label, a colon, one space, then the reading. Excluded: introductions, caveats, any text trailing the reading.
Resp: 1:30
